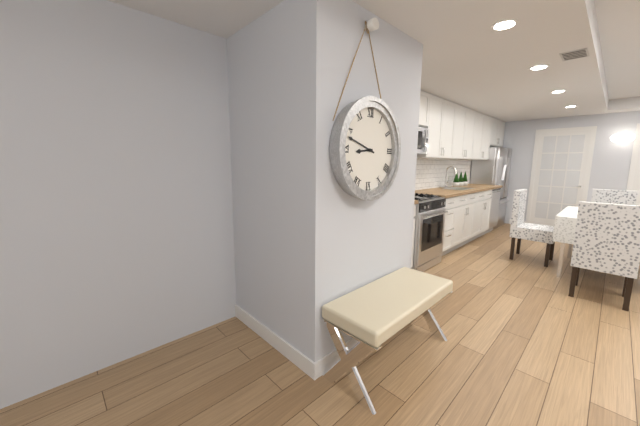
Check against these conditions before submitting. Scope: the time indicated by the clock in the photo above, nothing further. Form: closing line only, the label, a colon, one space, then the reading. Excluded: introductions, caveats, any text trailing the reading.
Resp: 8:48
